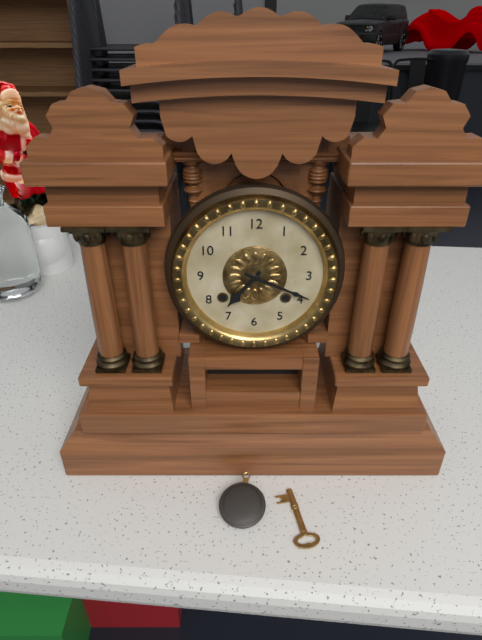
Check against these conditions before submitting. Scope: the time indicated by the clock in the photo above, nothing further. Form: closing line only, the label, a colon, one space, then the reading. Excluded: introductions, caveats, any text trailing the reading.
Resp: 7:19
